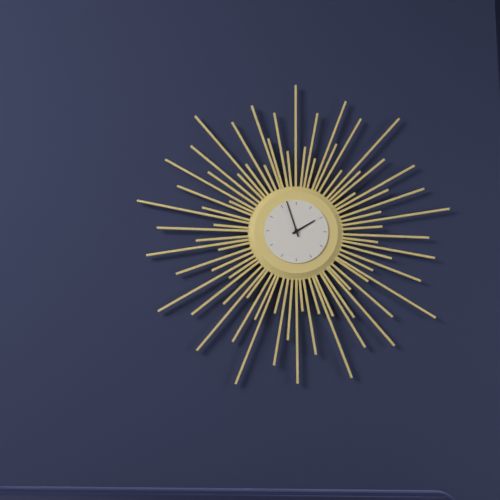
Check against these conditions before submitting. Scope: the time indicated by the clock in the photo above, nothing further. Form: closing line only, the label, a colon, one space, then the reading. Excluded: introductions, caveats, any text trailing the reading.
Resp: 1:57
